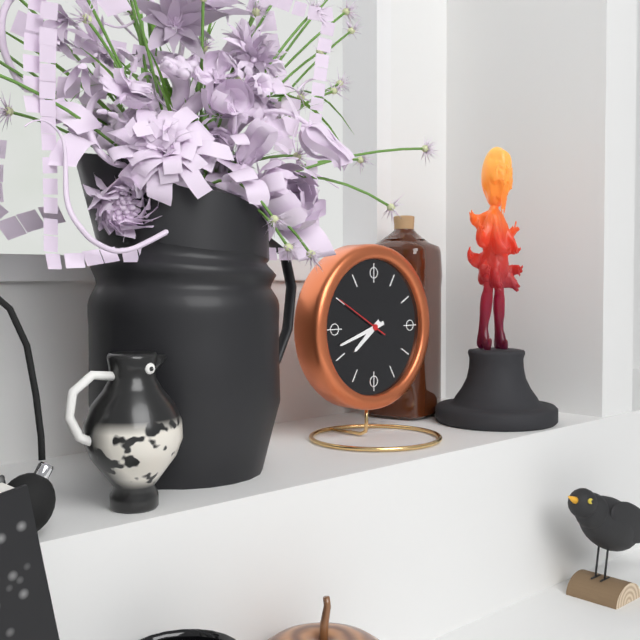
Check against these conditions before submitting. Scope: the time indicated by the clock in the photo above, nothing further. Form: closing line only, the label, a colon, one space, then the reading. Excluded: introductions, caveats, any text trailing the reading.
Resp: 7:42:50
